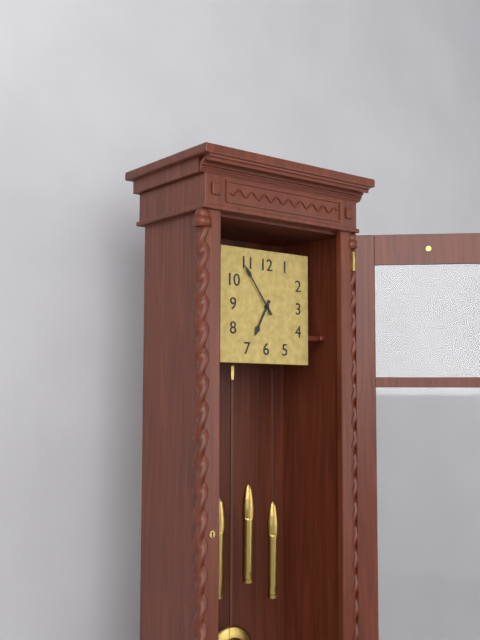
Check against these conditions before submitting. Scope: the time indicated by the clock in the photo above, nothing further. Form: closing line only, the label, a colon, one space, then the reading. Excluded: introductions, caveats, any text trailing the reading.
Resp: 6:54
